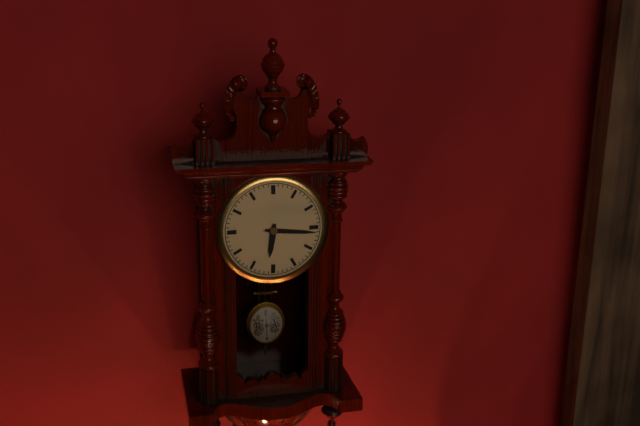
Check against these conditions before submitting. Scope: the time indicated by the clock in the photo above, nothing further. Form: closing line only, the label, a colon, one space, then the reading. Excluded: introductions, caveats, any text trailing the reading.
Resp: 6:16
